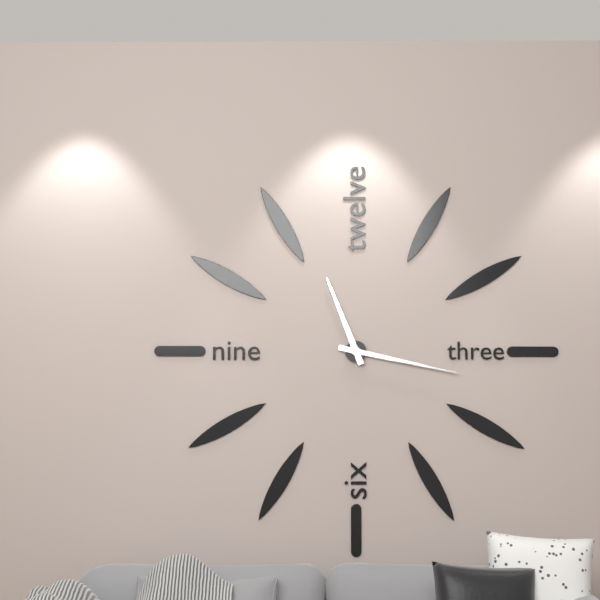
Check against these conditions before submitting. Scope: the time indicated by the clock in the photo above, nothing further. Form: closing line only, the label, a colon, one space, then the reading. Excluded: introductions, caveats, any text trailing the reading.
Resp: 11:17
